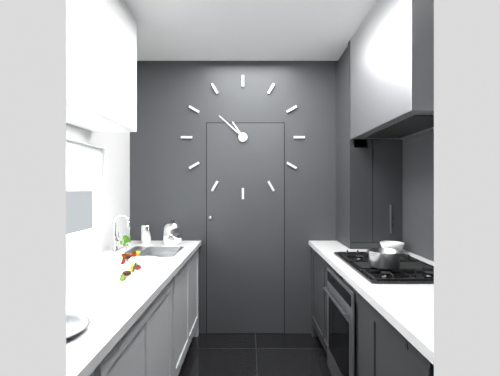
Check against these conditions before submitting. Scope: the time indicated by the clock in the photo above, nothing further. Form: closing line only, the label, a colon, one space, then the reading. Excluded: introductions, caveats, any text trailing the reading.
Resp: 10:52
